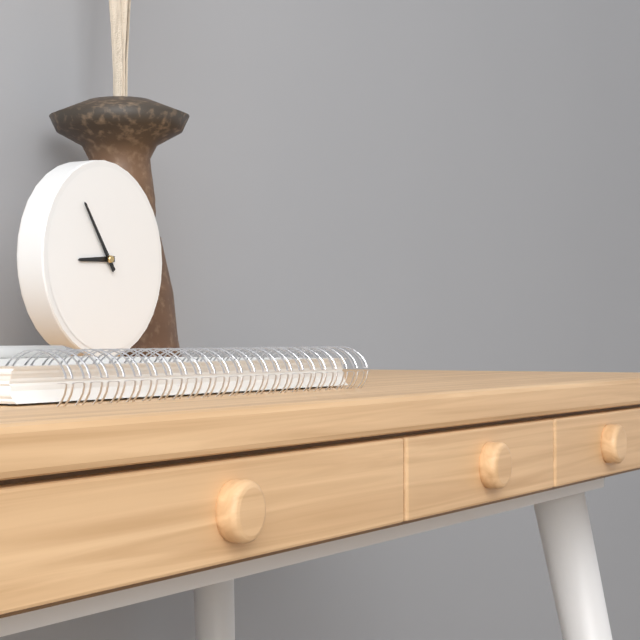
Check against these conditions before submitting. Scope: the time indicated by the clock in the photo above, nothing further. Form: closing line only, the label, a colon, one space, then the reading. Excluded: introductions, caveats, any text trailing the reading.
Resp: 8:54
